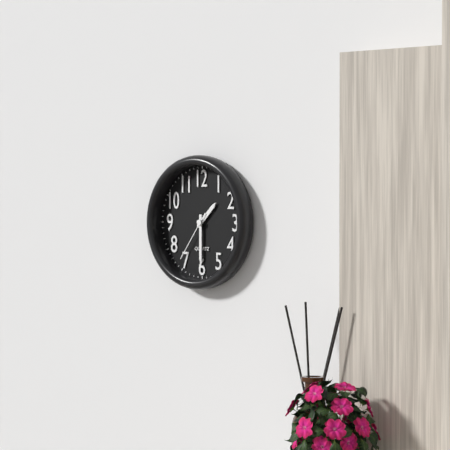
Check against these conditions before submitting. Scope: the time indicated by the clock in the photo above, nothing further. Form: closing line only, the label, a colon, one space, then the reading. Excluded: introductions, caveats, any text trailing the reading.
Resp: 1:30:36
